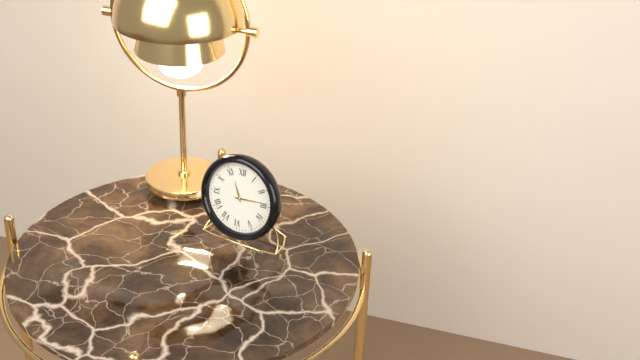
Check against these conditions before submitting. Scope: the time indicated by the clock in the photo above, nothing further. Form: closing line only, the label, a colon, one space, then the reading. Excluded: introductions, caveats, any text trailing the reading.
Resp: 11:14
